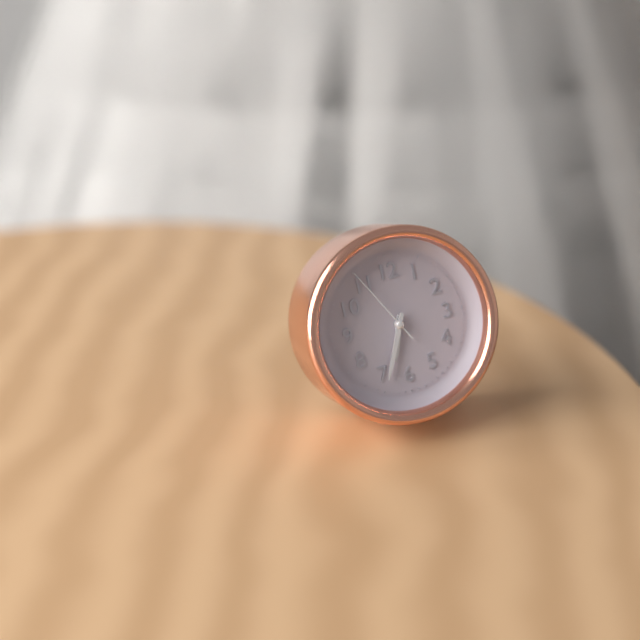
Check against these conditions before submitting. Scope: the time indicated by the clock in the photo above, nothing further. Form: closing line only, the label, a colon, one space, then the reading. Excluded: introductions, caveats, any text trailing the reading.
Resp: 6:34:55
